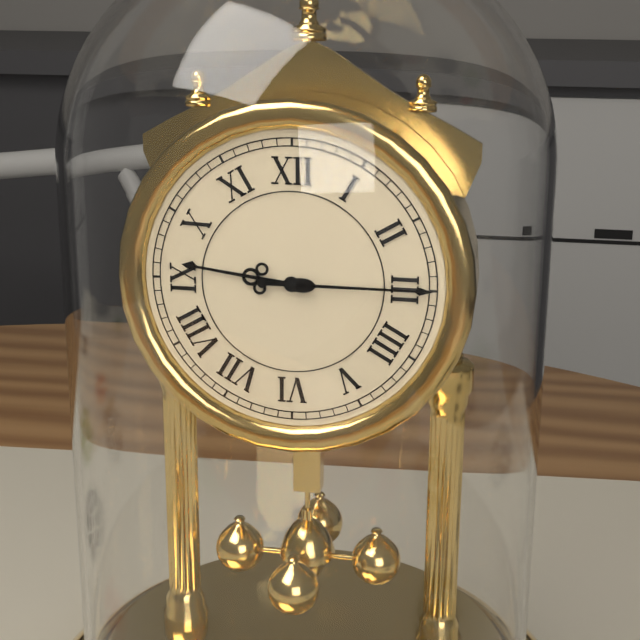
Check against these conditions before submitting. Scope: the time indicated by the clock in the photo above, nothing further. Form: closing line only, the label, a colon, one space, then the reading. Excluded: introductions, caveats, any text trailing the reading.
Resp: 9:15
